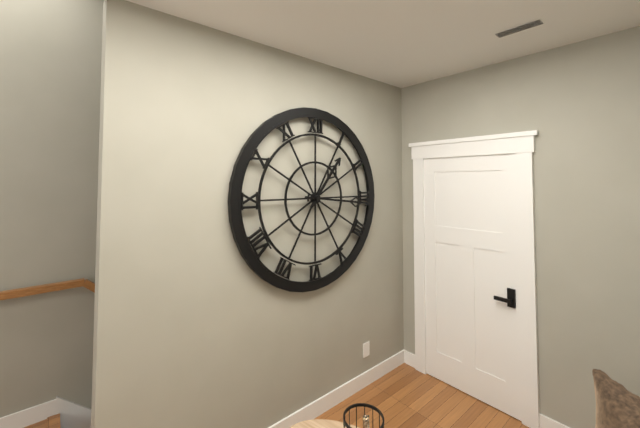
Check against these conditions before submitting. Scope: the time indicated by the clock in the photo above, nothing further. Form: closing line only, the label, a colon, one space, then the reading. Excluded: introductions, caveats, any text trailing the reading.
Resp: 1:16
